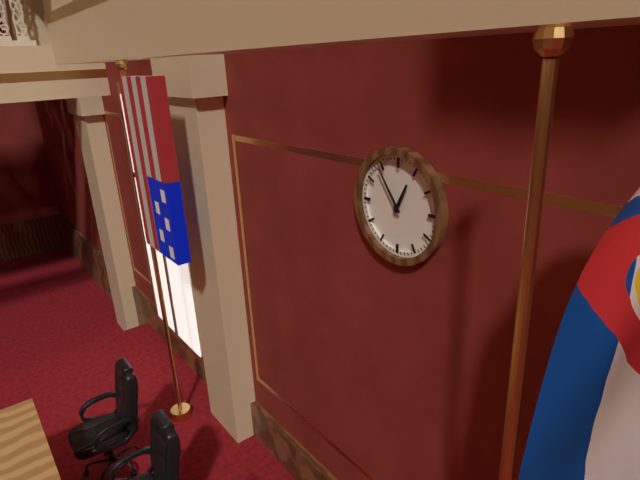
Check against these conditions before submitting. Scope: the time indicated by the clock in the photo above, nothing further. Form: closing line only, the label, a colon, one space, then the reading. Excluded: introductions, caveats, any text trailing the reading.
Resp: 12:54
